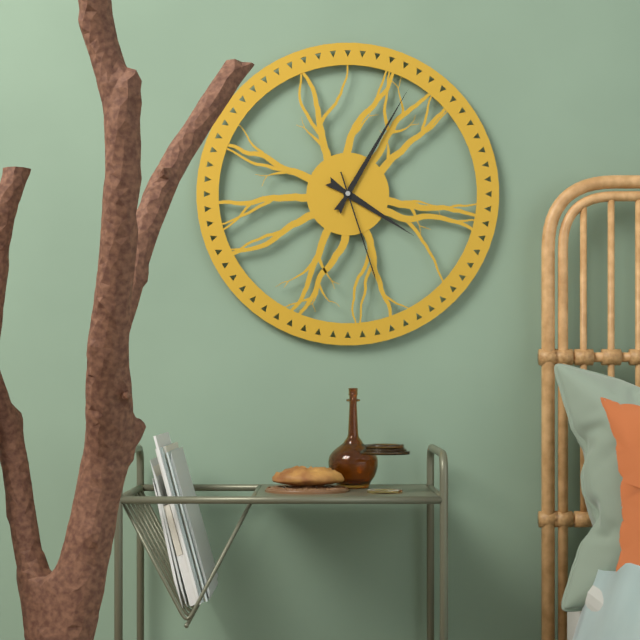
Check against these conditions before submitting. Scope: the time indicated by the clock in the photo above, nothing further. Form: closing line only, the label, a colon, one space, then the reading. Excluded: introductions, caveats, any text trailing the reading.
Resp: 4:05:27
